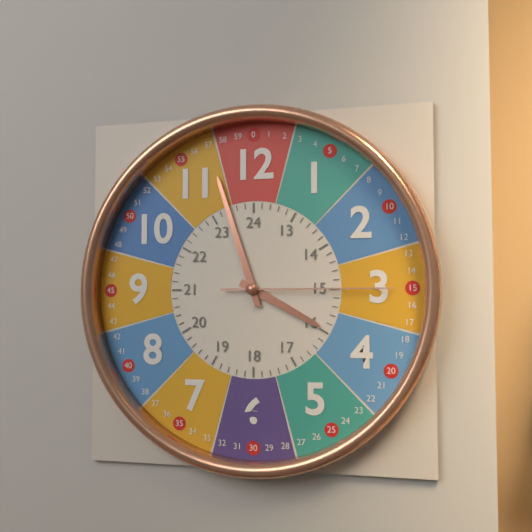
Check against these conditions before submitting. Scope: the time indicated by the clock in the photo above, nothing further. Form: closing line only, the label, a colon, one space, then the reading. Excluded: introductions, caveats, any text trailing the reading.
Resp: 3:57:15
